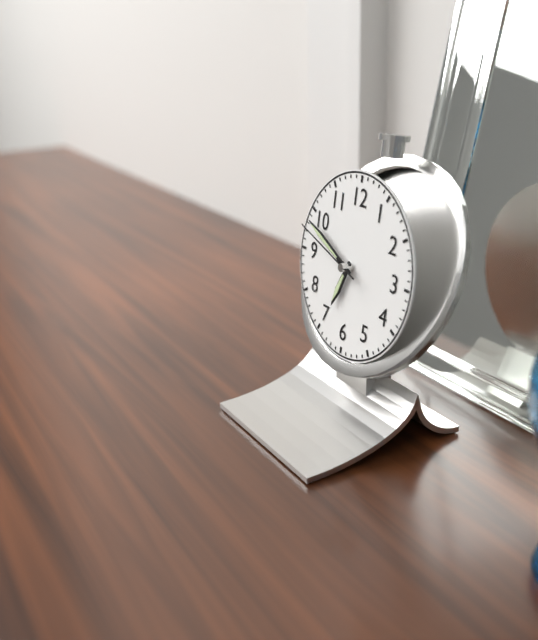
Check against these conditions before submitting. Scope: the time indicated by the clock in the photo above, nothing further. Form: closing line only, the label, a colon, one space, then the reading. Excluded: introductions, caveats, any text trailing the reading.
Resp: 6:49:48
